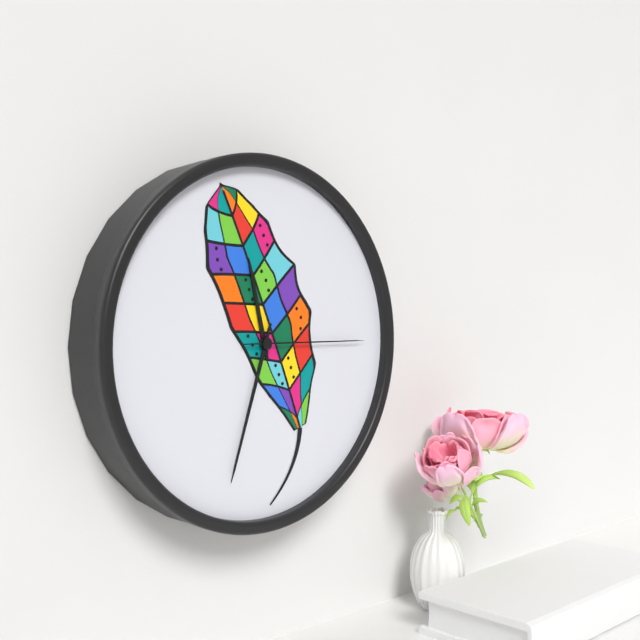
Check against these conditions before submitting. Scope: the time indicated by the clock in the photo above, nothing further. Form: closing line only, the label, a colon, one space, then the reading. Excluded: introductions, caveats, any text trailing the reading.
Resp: 11:33:15
